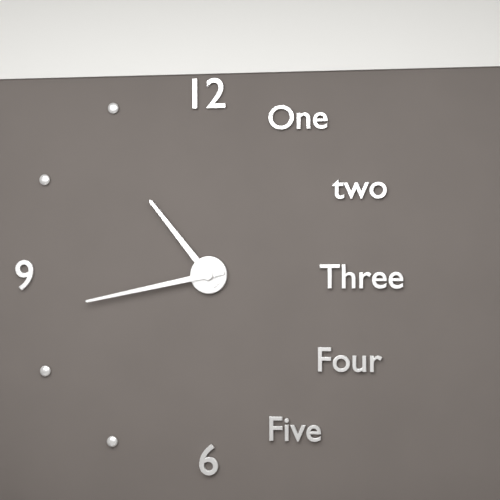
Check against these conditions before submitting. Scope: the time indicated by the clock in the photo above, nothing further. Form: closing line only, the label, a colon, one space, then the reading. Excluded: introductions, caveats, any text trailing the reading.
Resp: 10:43
